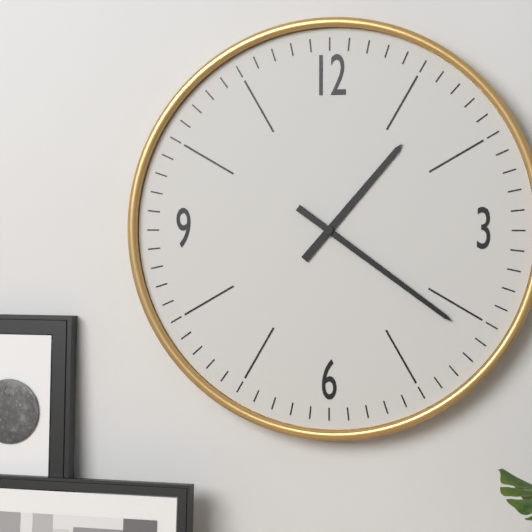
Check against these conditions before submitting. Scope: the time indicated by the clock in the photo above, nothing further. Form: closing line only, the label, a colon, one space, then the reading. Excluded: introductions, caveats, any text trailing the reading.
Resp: 1:21
